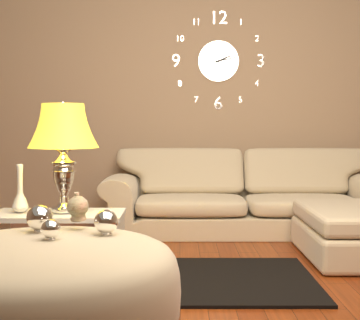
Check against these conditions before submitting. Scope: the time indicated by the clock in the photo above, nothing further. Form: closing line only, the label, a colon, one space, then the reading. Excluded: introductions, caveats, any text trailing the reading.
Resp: 2:13
